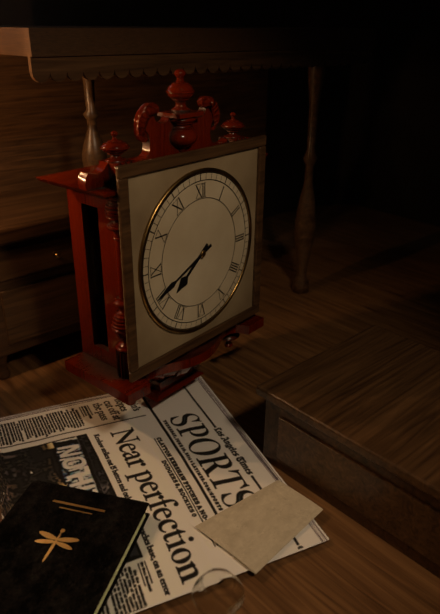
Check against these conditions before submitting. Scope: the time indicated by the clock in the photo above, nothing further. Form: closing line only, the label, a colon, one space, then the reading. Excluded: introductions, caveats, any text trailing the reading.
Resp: 7:41
